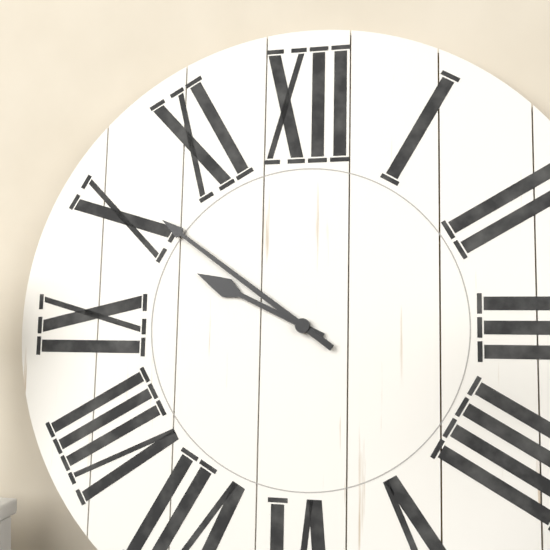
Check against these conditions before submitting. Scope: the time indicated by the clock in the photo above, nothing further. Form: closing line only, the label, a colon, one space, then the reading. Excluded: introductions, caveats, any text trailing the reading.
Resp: 9:51
